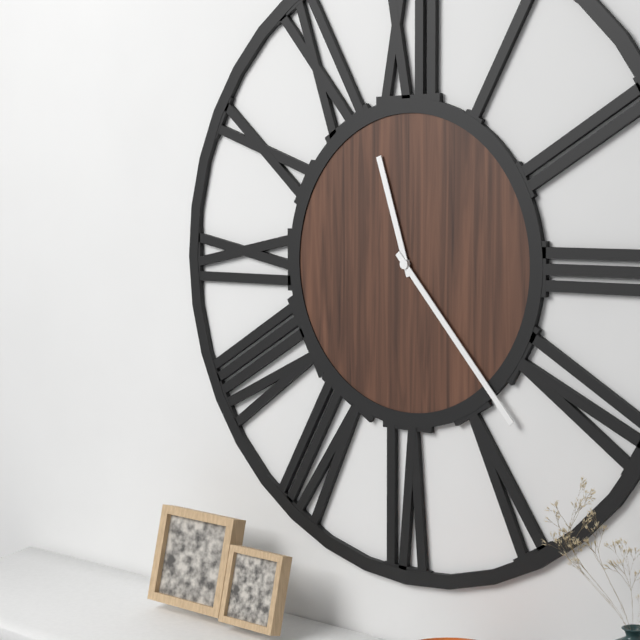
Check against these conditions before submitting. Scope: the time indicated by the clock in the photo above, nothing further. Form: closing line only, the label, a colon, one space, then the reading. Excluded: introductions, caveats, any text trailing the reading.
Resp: 11:23
